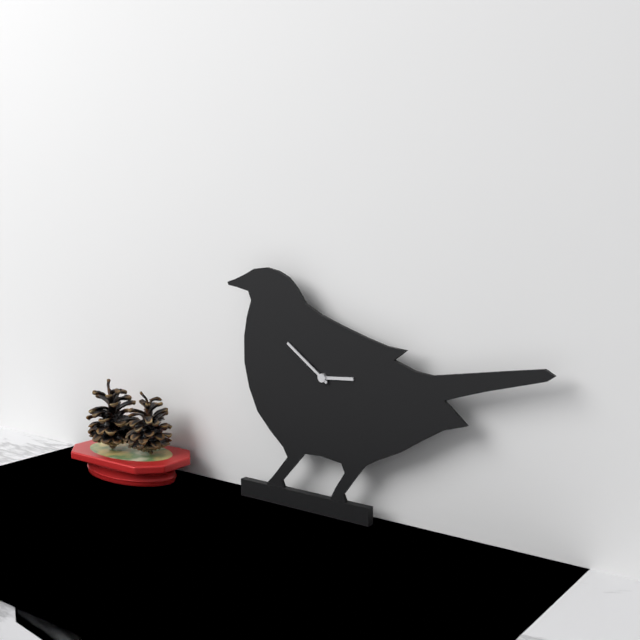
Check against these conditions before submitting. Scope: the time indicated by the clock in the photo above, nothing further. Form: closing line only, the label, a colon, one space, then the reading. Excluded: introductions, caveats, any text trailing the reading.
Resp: 2:51
